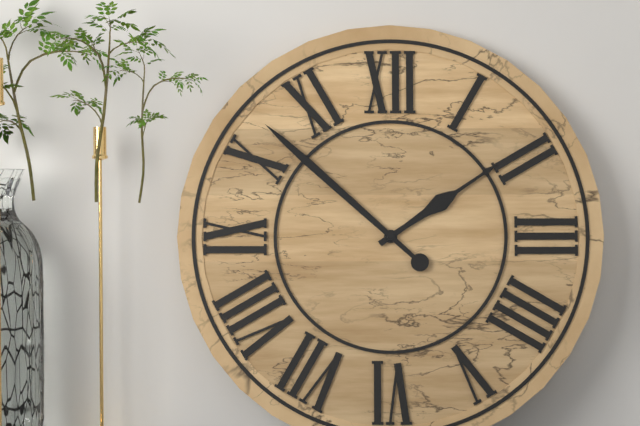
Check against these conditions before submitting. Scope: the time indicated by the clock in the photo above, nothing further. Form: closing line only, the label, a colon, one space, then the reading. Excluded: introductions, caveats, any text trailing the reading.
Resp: 1:52
